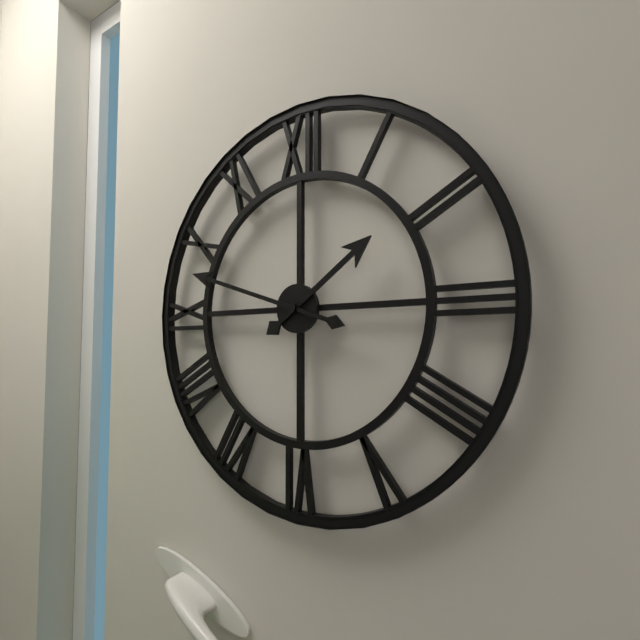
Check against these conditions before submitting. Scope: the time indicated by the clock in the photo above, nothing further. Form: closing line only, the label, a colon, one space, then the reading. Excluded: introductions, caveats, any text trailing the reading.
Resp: 1:48
